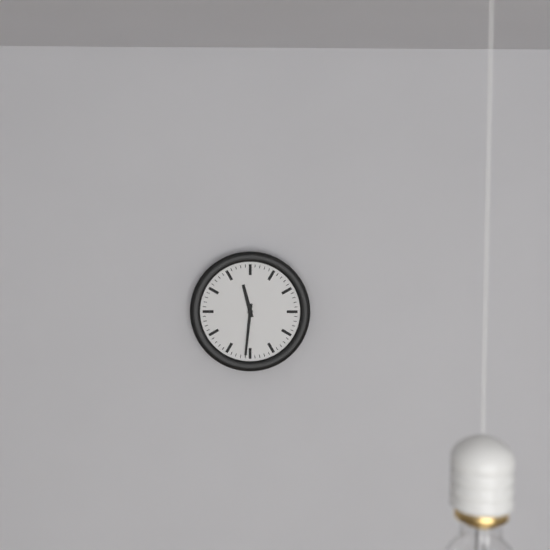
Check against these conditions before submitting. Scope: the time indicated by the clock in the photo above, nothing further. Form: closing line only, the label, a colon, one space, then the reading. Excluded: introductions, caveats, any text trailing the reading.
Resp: 11:31
